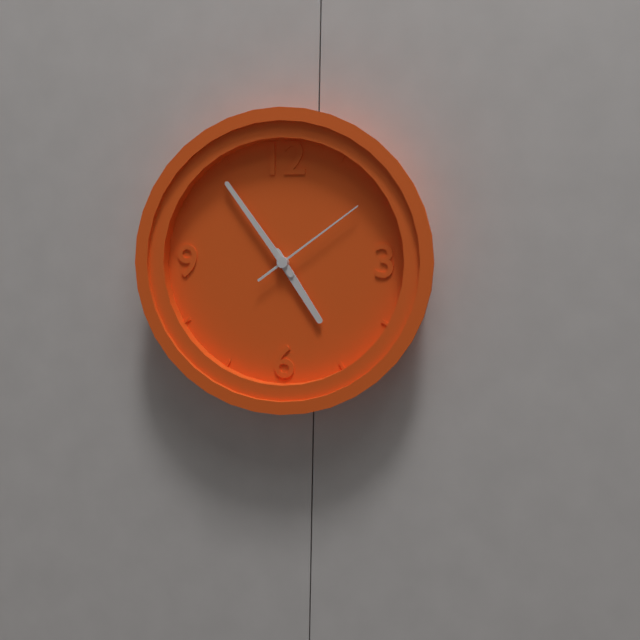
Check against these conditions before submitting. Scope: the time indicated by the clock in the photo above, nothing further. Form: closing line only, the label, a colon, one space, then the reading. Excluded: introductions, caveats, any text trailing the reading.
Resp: 4:54:09
